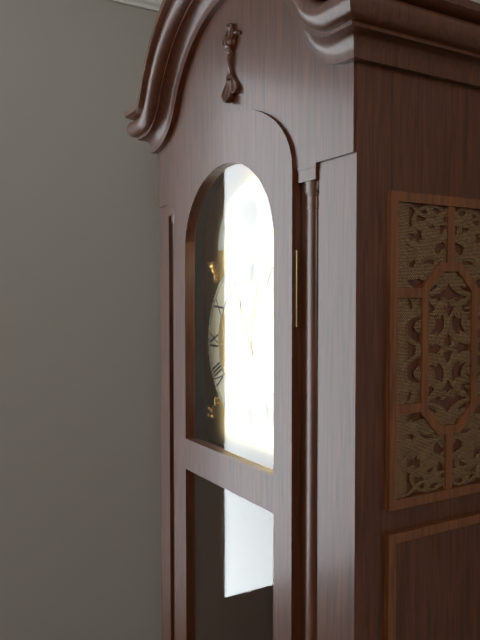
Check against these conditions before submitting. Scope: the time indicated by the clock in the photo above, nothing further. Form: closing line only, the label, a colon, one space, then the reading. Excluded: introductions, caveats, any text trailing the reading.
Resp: 11:02
